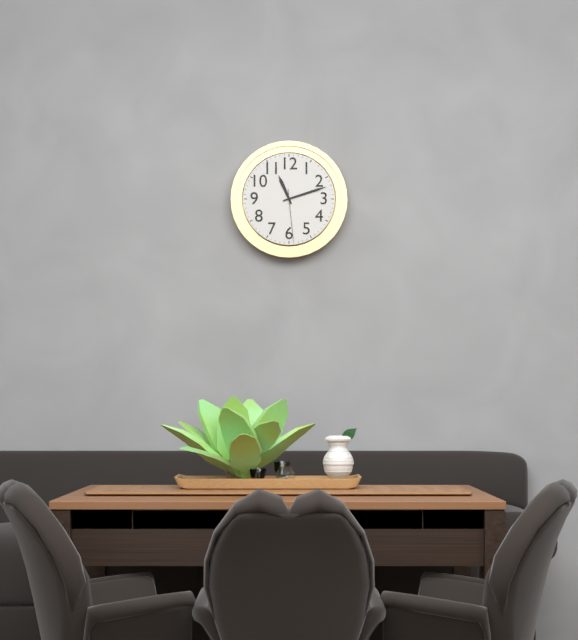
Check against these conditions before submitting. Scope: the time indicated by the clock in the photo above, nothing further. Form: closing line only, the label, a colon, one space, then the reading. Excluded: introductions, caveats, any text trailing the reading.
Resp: 11:12:29
